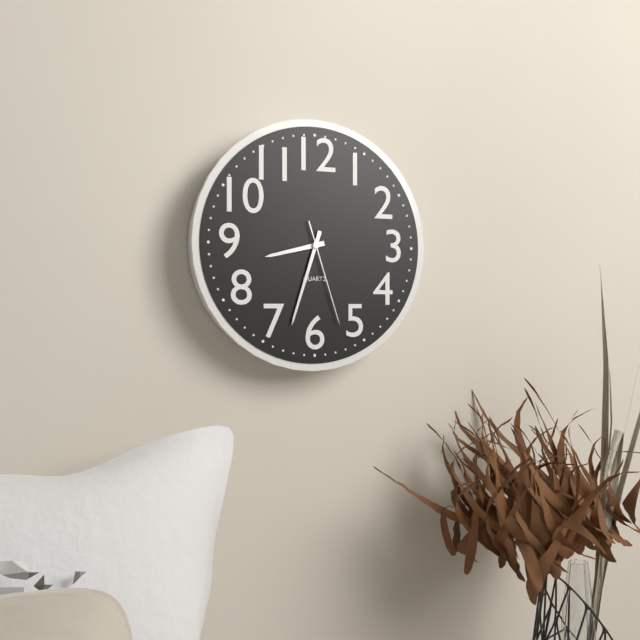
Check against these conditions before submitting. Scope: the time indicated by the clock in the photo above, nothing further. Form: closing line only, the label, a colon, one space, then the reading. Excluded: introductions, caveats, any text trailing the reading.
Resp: 8:33:27
